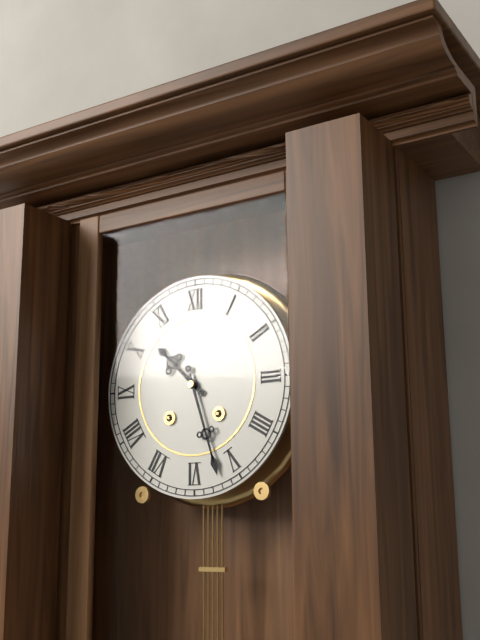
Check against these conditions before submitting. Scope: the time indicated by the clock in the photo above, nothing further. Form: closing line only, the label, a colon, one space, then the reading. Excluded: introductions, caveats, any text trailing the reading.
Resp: 10:27
